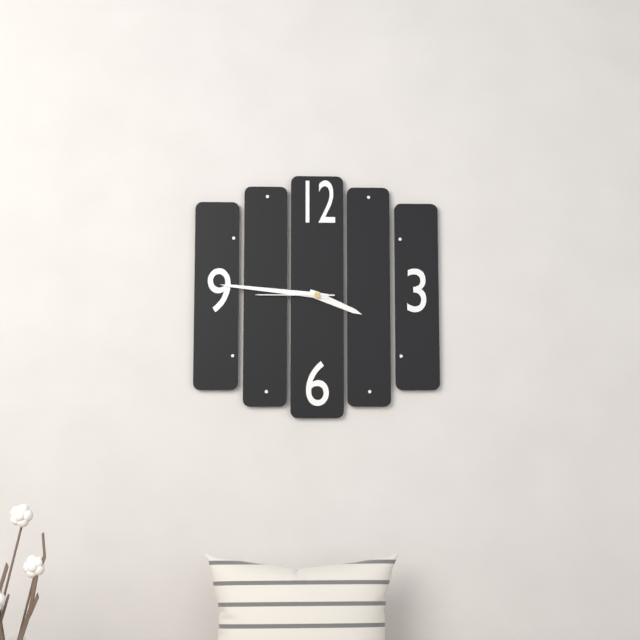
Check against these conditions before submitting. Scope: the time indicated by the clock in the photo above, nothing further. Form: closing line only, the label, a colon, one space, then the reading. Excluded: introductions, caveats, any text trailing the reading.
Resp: 3:46:45
